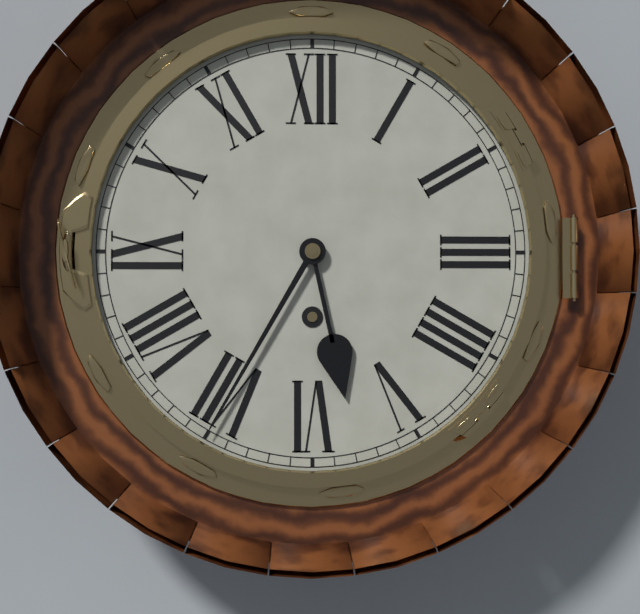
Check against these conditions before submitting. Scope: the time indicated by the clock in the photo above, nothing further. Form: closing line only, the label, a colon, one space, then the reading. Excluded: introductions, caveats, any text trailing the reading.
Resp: 5:35
